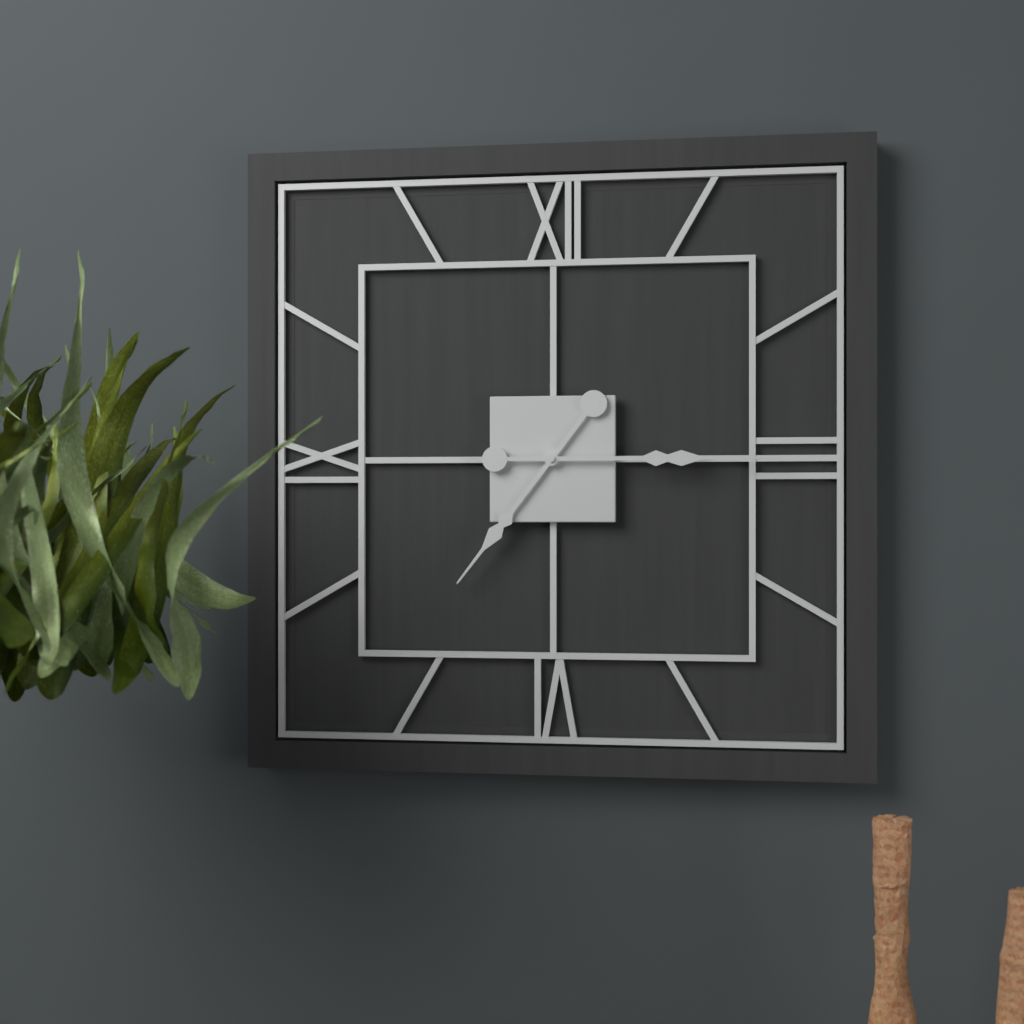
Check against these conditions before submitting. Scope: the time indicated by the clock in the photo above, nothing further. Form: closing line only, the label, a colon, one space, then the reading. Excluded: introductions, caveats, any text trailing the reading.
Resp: 7:15
